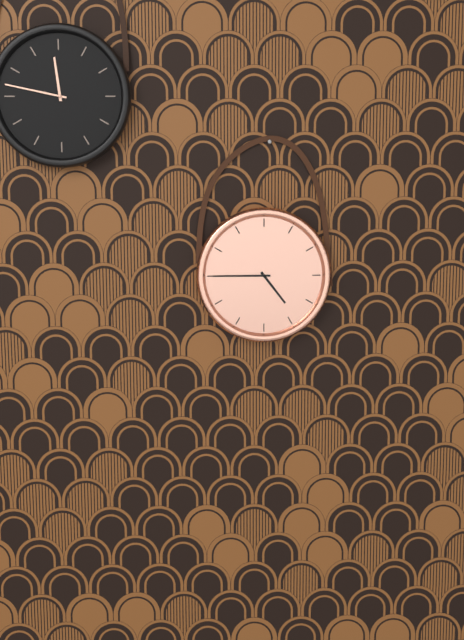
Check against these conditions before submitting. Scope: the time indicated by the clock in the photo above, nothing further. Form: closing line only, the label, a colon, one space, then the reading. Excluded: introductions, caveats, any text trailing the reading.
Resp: 4:45
